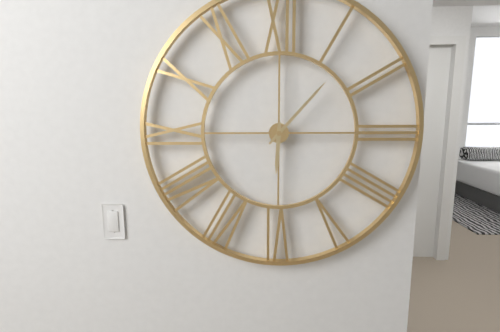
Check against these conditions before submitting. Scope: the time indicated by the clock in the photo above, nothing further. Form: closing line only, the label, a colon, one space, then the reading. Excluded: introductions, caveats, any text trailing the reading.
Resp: 6:07
